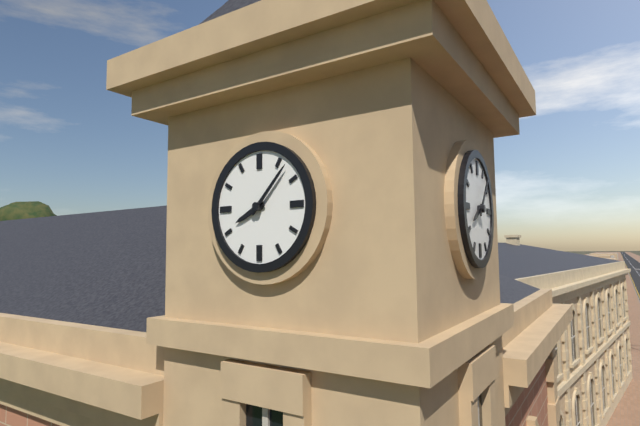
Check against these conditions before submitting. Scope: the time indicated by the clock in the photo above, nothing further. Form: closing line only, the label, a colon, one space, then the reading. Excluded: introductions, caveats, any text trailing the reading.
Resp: 8:07
